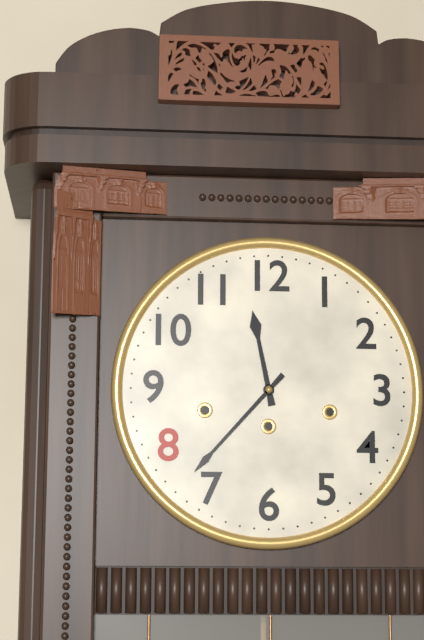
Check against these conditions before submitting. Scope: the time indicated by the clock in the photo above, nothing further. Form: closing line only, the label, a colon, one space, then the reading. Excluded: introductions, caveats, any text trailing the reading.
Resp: 11:37
